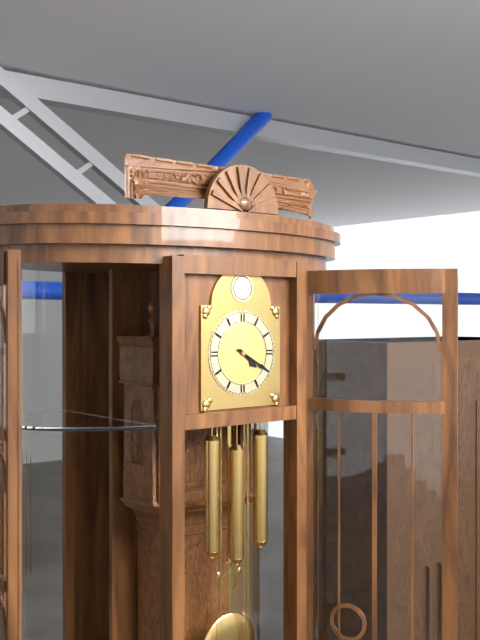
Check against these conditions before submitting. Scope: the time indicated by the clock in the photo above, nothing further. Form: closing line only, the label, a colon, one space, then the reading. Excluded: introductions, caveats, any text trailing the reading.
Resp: 4:20
